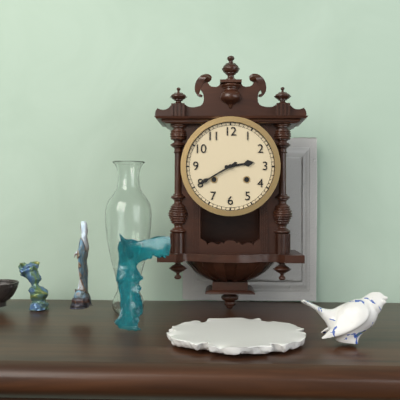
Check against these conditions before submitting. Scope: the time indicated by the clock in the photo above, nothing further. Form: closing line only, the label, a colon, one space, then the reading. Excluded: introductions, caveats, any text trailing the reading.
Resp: 2:40
